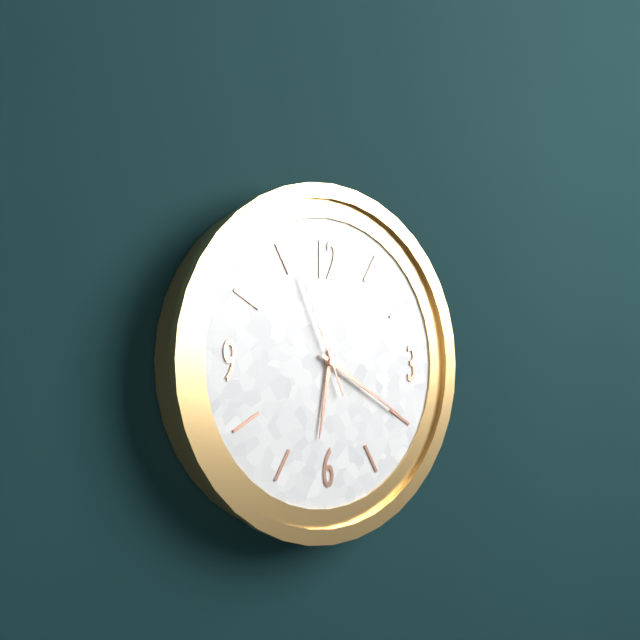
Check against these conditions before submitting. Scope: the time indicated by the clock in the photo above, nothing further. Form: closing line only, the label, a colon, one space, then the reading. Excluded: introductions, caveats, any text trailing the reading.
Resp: 6:20:56
